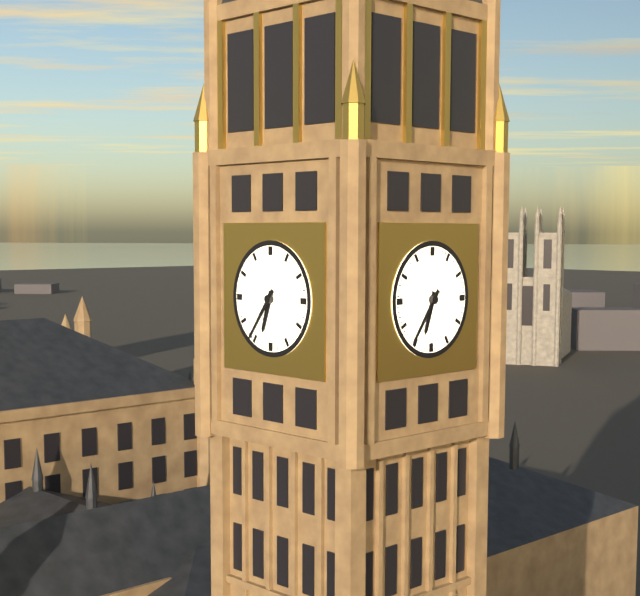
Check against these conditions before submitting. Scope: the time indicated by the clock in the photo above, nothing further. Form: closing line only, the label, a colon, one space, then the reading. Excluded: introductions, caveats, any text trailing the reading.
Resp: 6:36
